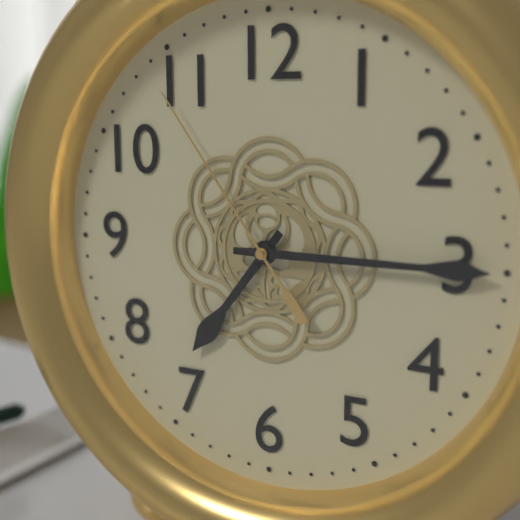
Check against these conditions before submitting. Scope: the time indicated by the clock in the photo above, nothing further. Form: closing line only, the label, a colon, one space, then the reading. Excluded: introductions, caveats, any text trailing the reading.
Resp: 7:15:54
